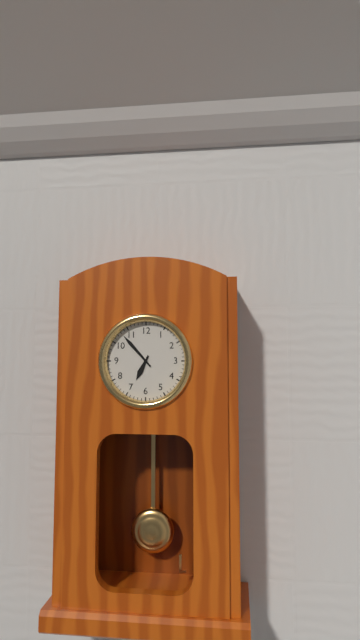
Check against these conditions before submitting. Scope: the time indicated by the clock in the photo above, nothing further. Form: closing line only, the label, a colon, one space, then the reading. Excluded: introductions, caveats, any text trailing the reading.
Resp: 6:53
